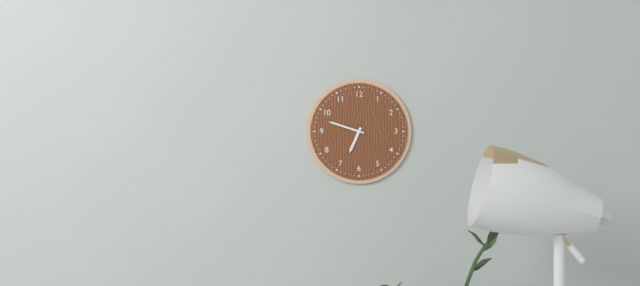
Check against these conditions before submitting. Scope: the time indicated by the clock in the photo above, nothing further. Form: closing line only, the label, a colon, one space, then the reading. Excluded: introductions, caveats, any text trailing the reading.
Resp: 6:48
